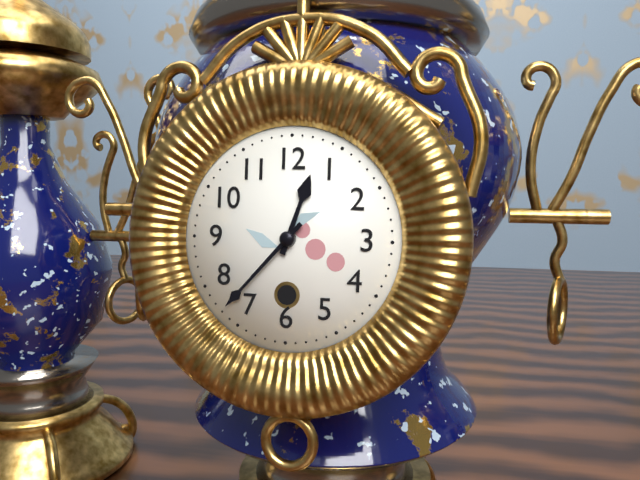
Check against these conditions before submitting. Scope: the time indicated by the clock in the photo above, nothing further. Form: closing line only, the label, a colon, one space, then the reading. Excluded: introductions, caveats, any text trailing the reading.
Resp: 12:37
